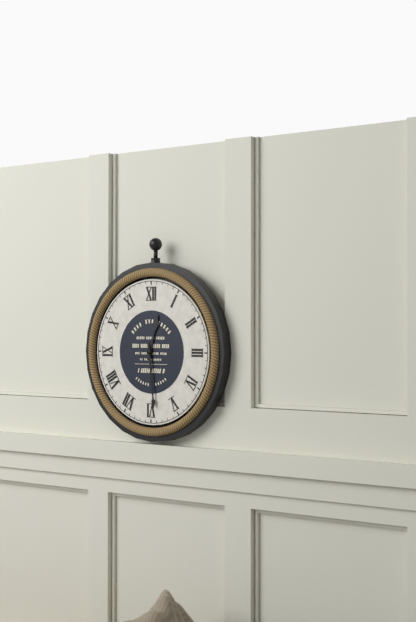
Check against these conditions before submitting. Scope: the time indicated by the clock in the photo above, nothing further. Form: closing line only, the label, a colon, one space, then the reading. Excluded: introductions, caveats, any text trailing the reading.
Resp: 12:29
